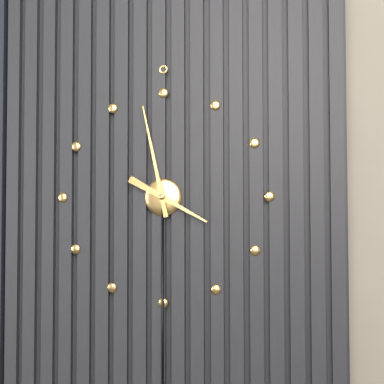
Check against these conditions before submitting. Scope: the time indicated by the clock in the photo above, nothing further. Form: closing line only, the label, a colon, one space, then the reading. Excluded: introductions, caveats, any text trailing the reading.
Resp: 3:58
